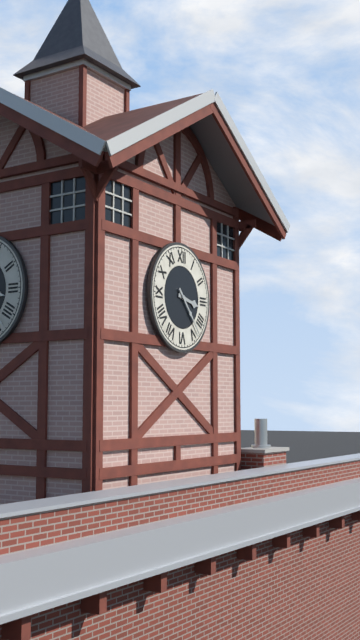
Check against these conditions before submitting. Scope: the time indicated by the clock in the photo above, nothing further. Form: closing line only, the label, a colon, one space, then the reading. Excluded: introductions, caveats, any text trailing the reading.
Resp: 3:23
